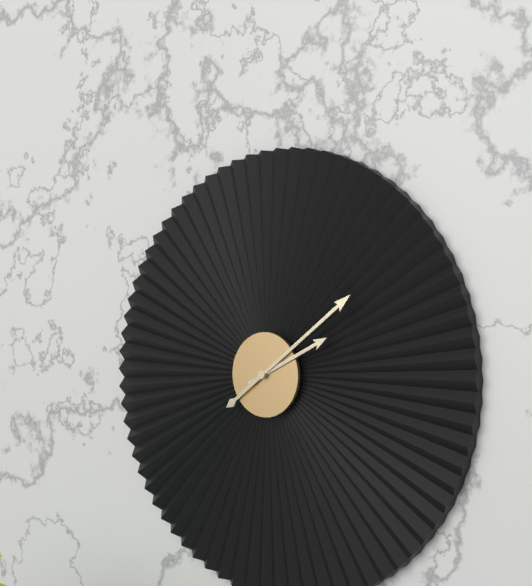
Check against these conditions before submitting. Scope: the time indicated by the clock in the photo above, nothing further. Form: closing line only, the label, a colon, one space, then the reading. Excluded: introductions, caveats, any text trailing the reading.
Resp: 2:09
